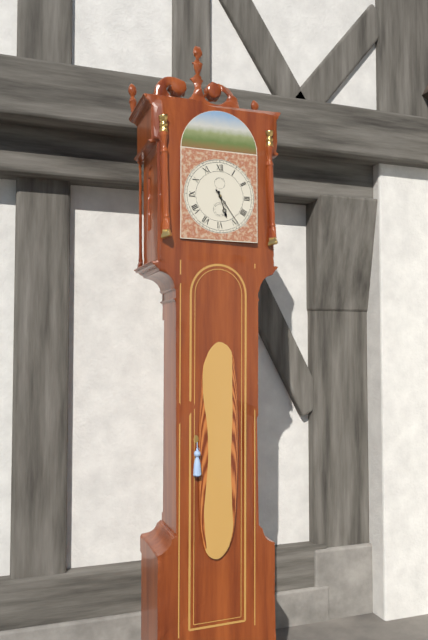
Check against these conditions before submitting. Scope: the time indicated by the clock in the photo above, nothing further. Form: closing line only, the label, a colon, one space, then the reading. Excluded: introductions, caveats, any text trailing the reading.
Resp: 5:24
